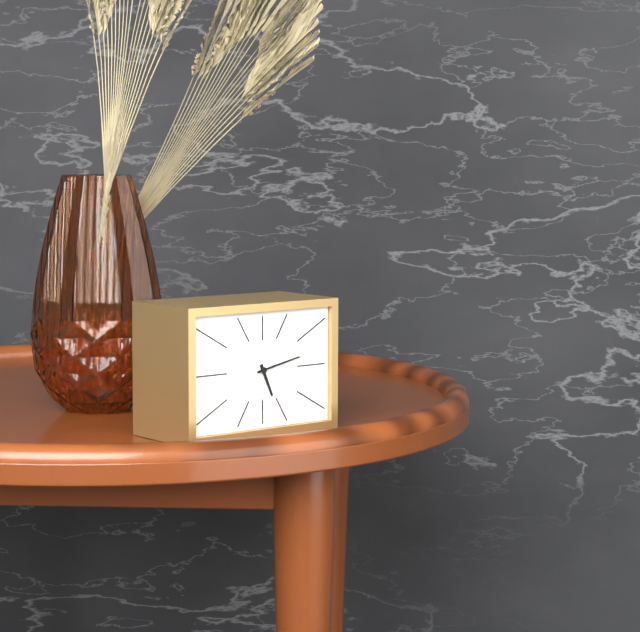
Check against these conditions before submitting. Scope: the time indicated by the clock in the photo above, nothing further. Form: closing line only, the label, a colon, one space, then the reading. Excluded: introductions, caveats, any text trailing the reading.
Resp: 5:13
